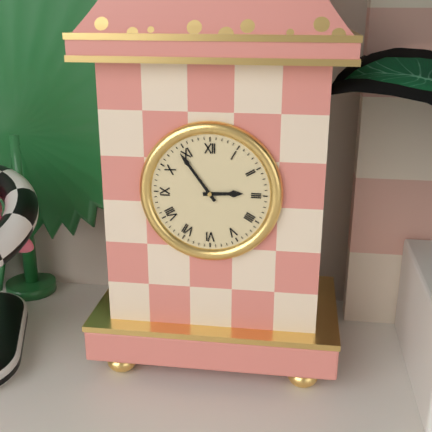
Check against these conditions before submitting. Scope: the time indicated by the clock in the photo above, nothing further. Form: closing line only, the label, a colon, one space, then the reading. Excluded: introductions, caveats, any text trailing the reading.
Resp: 2:54
